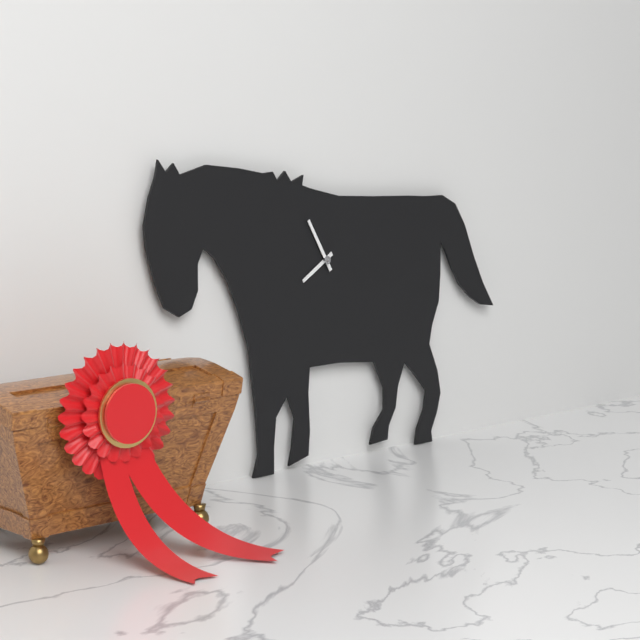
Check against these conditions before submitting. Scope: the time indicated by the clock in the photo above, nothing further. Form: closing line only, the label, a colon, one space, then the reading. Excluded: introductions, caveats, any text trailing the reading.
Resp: 7:55
